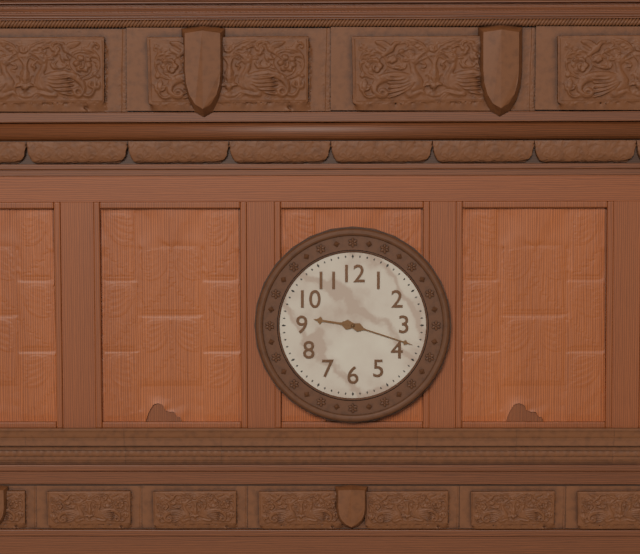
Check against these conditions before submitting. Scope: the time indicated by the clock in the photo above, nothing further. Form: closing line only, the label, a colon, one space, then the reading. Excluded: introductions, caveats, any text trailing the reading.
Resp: 9:18
